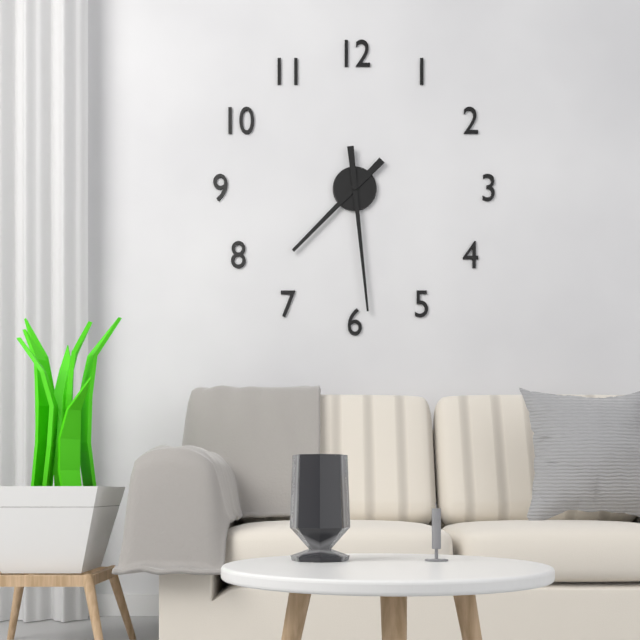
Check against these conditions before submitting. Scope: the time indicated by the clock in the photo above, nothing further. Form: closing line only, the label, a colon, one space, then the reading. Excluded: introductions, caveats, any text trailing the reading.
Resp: 7:29
